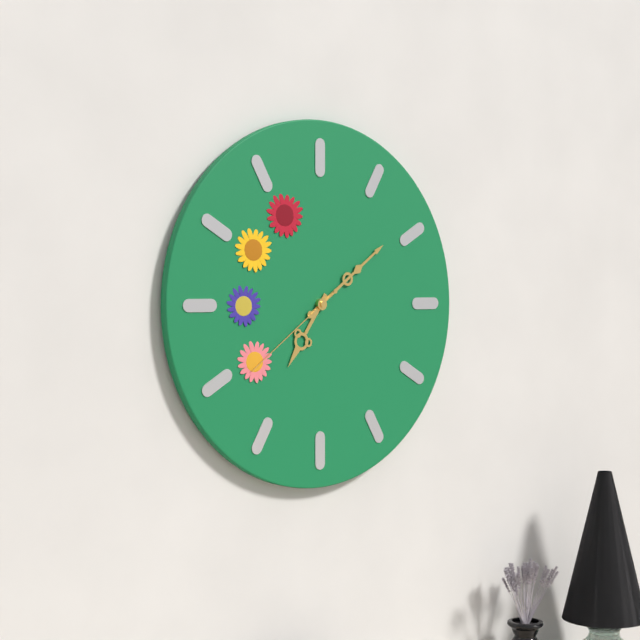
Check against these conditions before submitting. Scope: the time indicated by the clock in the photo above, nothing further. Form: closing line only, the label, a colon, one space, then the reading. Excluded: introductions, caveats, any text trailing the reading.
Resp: 7:09:39
